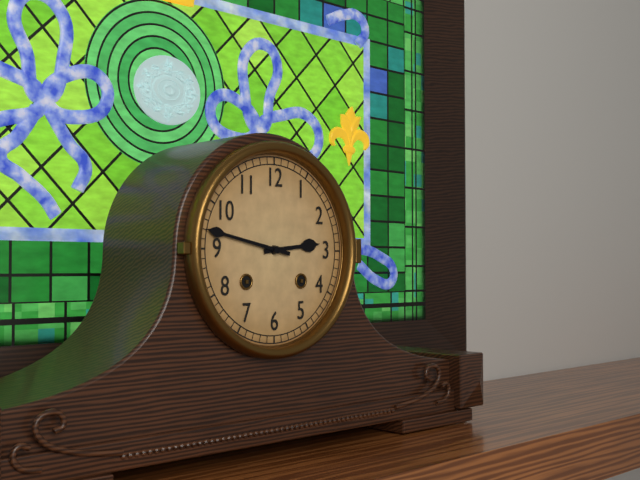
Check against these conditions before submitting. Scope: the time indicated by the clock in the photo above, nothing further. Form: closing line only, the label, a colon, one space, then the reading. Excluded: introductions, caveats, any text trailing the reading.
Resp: 2:47
